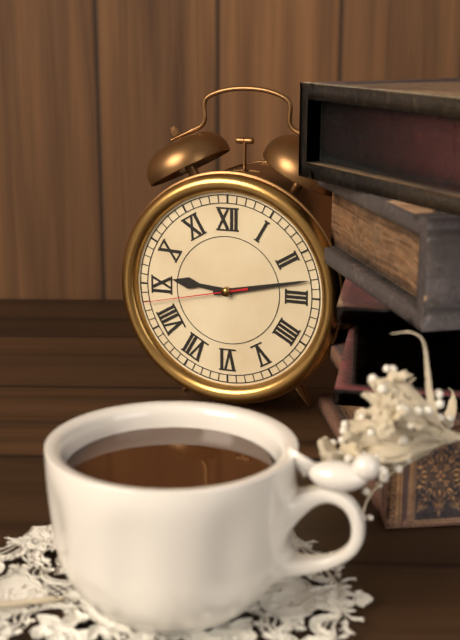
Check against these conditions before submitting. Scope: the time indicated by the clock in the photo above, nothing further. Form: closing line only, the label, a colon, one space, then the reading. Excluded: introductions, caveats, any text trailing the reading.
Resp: 9:13:43
